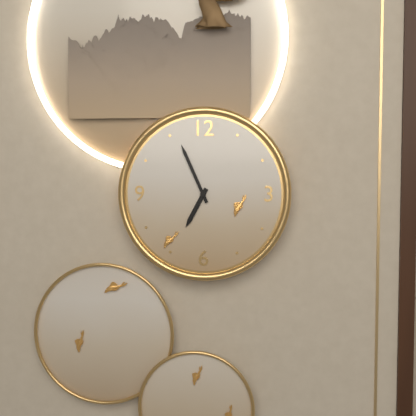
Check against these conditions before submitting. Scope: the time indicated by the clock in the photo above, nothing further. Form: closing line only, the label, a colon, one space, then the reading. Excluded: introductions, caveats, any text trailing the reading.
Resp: 6:56
